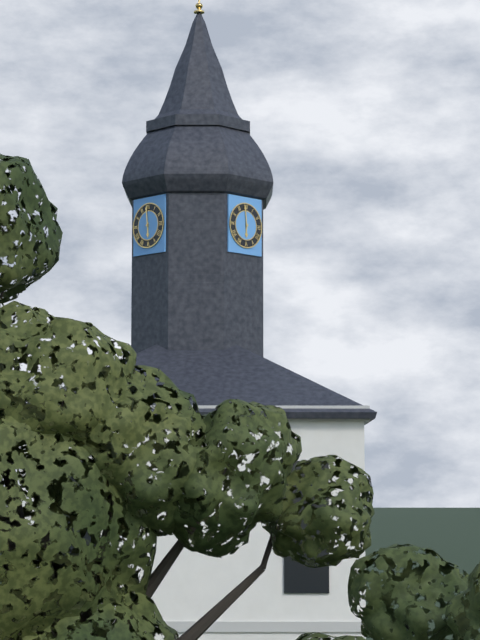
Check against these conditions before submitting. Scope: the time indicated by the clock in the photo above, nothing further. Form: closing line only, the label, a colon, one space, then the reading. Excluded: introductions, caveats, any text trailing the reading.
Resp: 5:59
